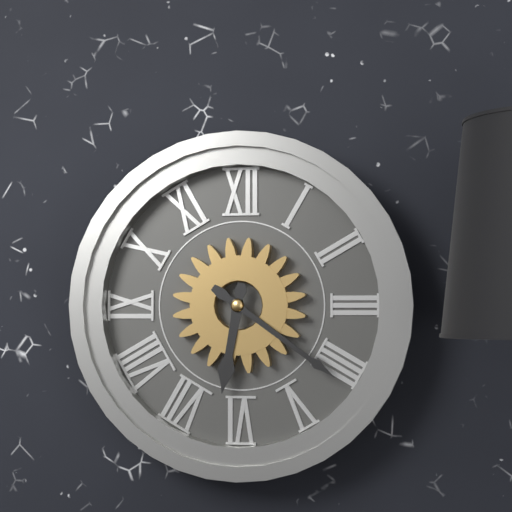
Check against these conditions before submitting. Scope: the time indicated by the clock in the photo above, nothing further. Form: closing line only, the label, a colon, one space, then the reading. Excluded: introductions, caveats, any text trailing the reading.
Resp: 6:21
